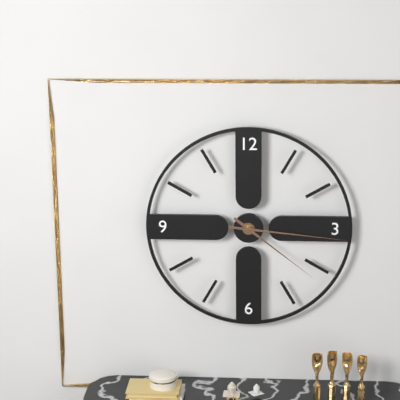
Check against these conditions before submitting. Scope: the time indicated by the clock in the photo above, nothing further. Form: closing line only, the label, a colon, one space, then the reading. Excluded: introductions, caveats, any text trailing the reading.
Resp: 4:16
